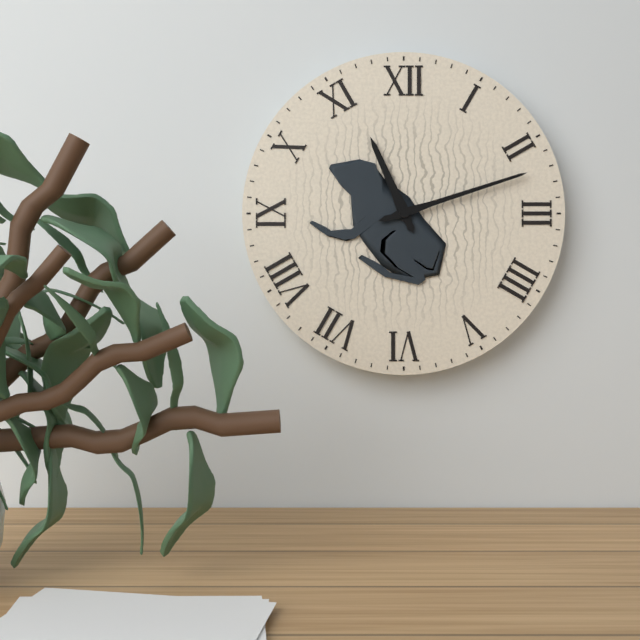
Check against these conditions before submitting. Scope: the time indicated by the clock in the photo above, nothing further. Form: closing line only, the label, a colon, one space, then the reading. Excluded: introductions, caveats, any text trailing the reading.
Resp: 11:12
